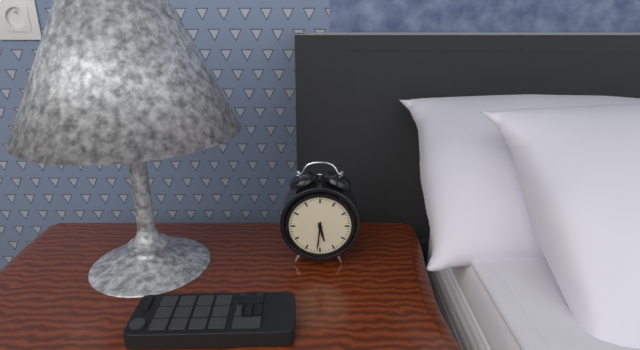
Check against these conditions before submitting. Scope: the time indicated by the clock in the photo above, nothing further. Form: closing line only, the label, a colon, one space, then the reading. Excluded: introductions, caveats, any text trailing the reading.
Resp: 5:31
